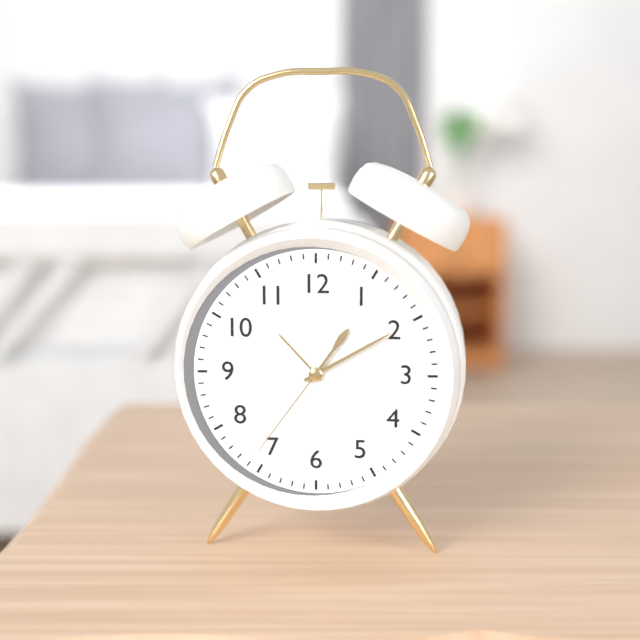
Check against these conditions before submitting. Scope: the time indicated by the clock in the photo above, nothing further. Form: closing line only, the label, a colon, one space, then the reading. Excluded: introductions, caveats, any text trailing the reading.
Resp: 1:10:36
